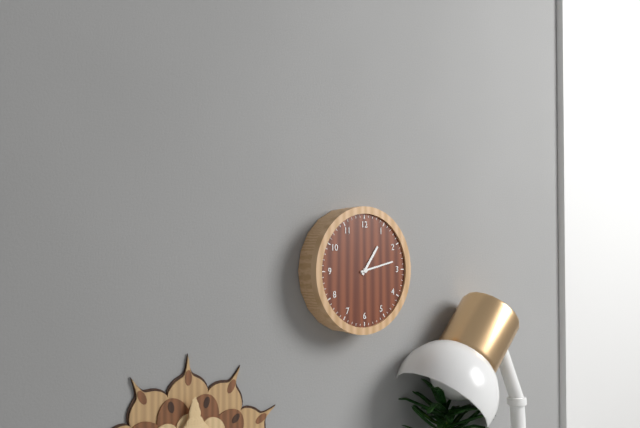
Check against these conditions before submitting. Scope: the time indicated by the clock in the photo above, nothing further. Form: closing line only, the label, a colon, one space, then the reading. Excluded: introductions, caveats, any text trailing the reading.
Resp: 1:13
